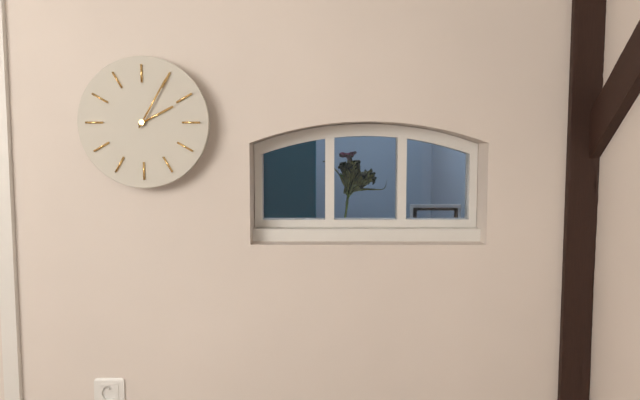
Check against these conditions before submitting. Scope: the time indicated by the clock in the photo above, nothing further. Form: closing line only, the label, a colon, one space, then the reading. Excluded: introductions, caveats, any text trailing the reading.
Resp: 2:05
